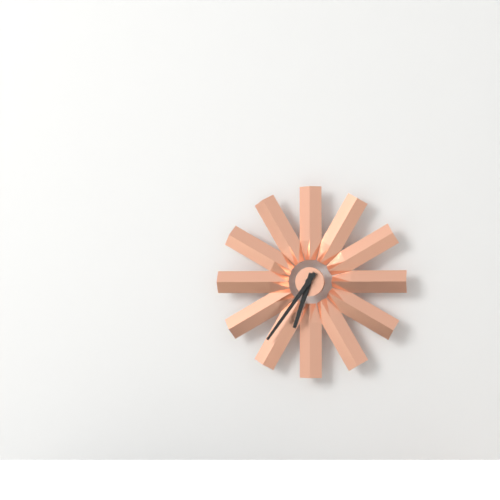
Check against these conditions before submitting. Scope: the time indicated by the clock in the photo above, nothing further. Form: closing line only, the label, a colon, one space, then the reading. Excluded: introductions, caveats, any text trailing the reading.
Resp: 6:36
